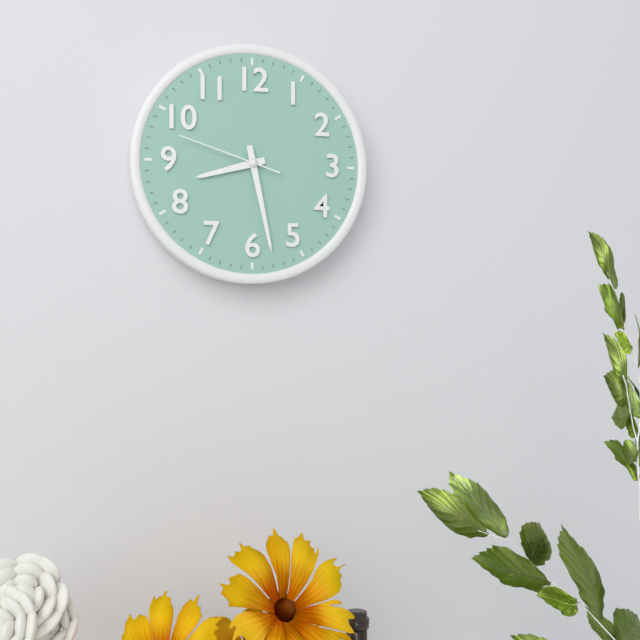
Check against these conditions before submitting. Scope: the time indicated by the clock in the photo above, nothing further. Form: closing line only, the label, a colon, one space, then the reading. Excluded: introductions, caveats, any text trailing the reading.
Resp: 8:28:48
